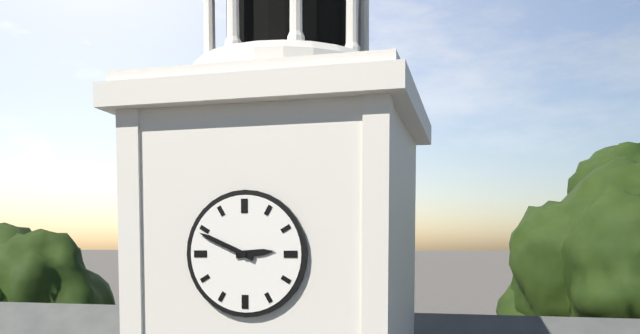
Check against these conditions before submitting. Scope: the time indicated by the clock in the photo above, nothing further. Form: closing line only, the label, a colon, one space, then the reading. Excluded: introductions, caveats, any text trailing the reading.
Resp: 2:49
